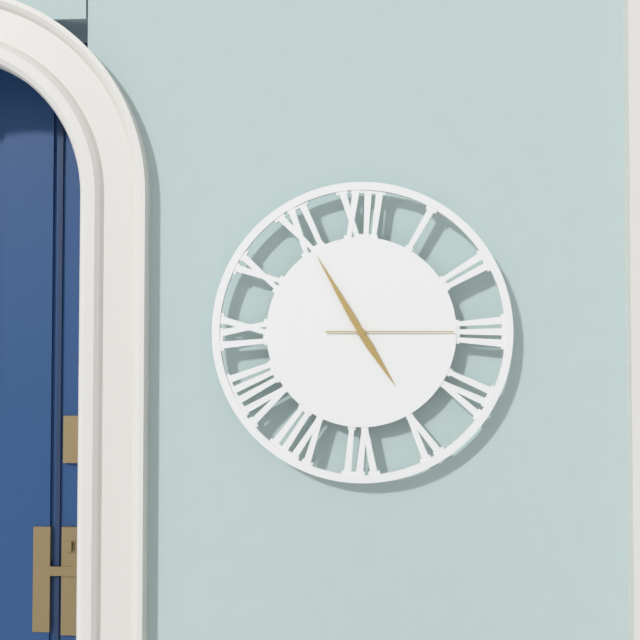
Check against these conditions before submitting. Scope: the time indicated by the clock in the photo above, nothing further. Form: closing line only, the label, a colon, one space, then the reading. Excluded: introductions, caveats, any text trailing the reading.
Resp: 4:55:15
